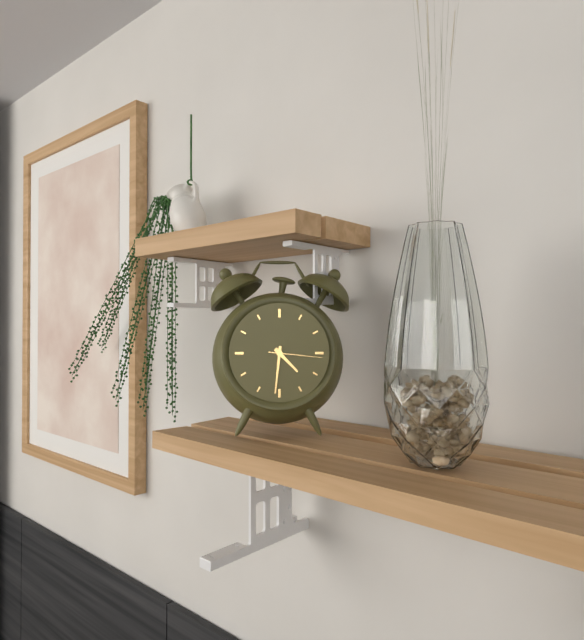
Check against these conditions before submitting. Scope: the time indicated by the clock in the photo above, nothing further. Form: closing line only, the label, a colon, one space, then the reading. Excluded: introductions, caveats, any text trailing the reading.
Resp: 4:31:16
